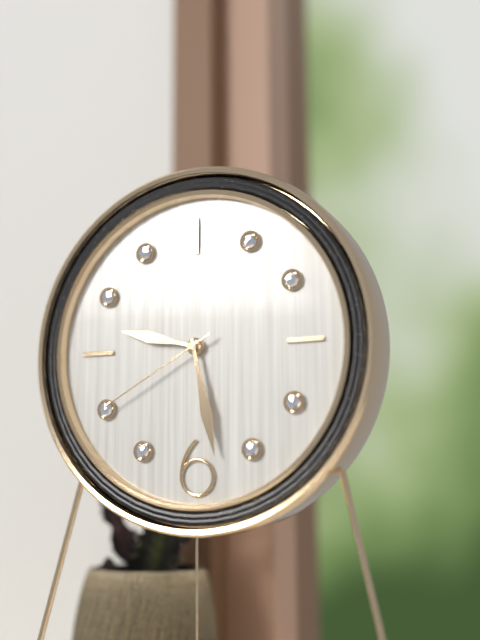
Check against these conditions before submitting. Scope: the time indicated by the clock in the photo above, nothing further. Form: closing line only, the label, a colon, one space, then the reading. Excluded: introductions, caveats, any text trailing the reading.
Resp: 9:28:40
